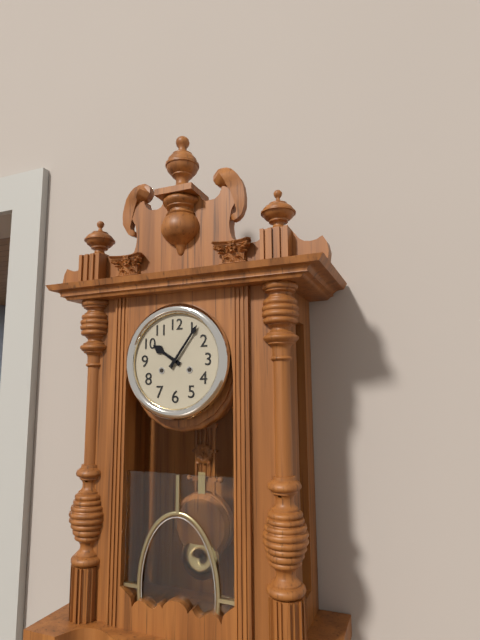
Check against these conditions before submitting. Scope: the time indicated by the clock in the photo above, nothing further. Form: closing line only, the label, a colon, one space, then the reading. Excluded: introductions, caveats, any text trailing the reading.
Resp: 10:06
